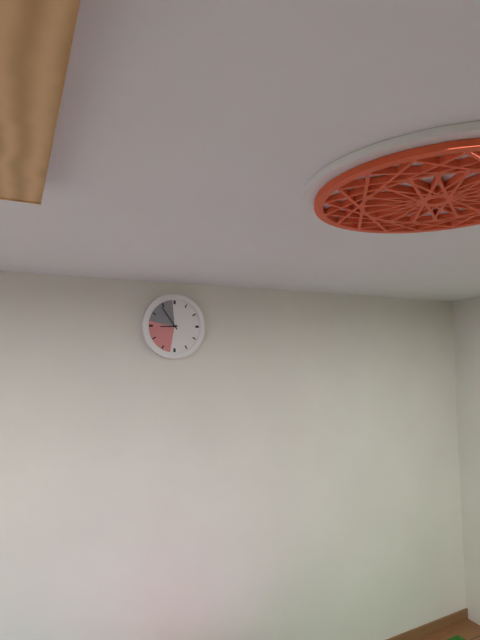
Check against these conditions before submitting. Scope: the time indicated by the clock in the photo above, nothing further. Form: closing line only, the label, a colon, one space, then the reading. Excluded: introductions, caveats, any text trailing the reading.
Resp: 8:54
